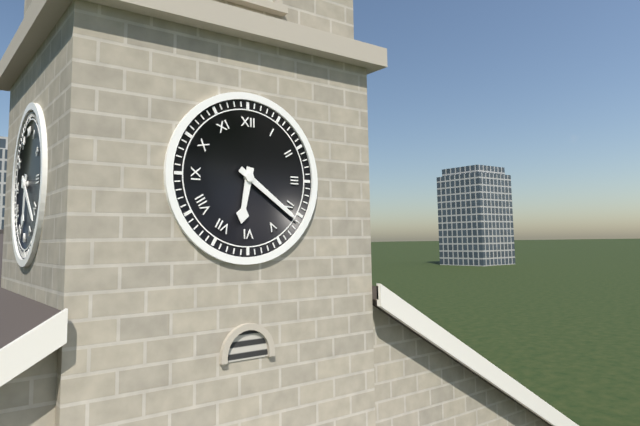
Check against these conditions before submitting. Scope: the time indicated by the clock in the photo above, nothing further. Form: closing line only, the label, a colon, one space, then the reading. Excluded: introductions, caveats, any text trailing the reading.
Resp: 6:21
